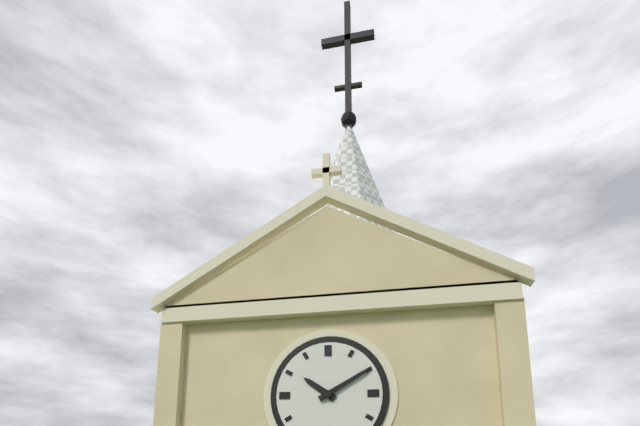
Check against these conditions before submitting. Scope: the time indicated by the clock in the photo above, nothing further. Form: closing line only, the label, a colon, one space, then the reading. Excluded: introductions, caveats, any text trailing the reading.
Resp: 10:10
